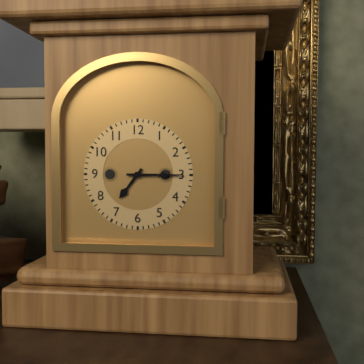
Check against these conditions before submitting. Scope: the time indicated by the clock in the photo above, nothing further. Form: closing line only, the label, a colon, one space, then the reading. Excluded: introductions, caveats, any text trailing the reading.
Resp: 7:15
